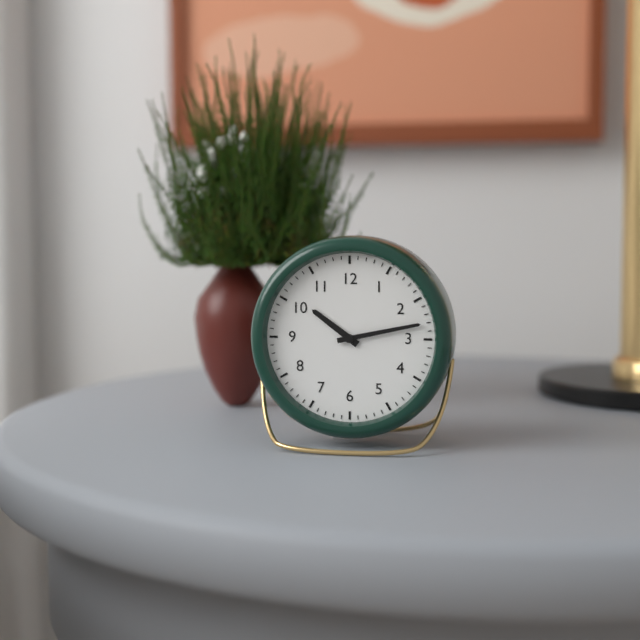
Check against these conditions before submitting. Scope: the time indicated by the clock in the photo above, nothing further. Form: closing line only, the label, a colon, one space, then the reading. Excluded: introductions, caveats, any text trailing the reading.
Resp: 10:13
